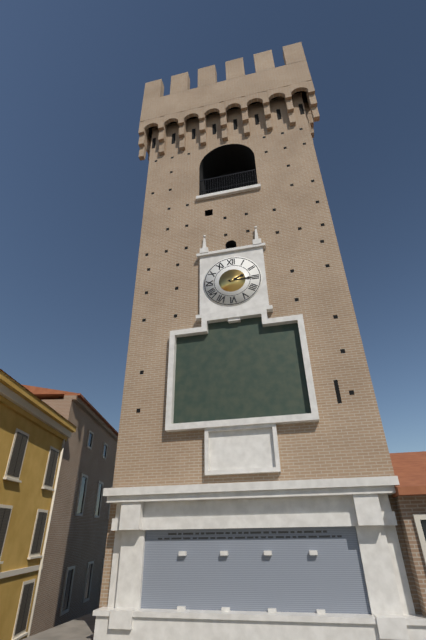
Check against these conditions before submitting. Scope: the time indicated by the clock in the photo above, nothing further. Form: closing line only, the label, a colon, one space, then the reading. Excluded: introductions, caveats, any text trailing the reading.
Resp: 2:15
